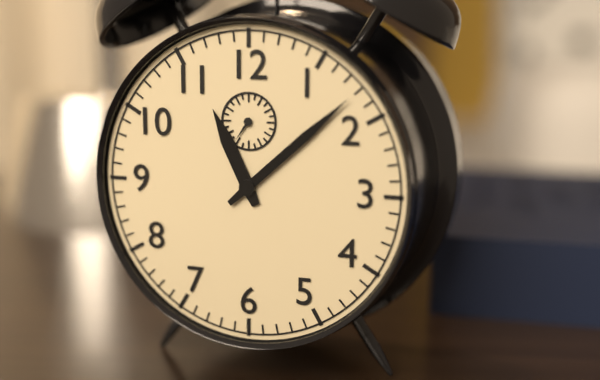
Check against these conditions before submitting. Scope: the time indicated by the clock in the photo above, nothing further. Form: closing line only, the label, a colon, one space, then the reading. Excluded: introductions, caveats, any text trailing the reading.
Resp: 11:08
